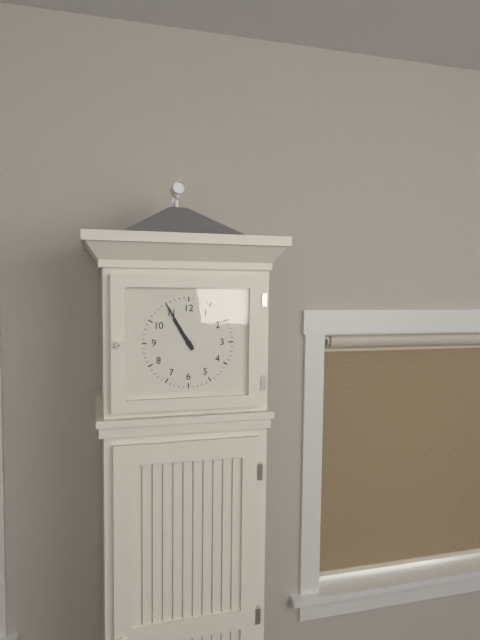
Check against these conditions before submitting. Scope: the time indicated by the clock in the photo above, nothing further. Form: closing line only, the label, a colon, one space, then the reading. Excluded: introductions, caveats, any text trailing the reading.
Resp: 10:55
